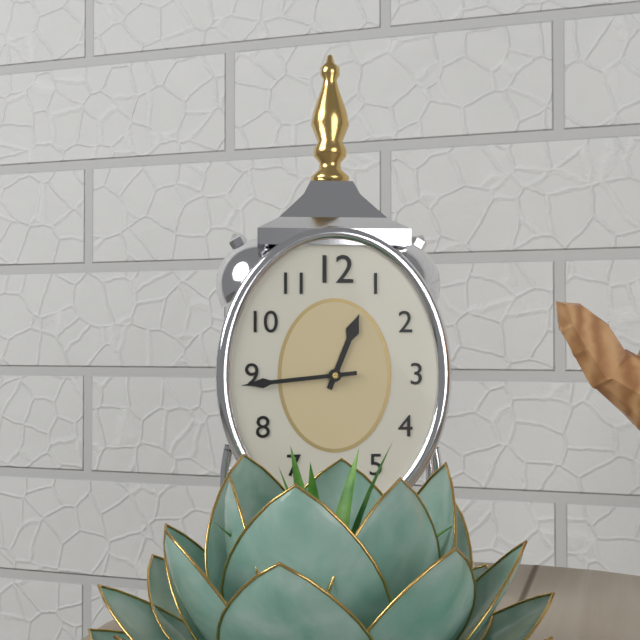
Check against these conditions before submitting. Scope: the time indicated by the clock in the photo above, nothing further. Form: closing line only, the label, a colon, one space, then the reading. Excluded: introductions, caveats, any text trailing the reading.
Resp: 12:44
